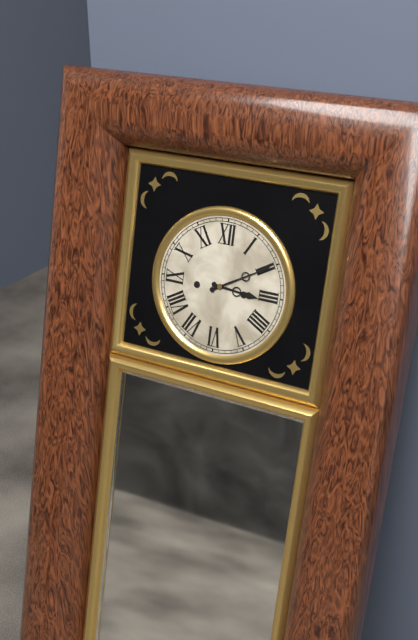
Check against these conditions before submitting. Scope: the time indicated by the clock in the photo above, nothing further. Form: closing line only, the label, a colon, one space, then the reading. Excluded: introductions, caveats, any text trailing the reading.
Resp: 3:10
